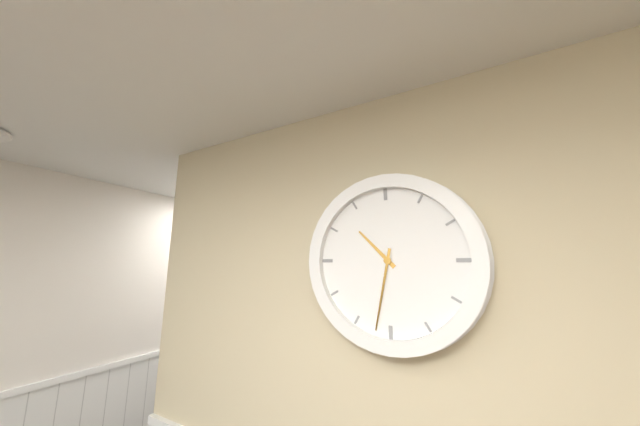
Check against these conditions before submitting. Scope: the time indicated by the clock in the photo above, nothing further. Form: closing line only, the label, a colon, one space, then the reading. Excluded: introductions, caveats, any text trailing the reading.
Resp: 10:32
